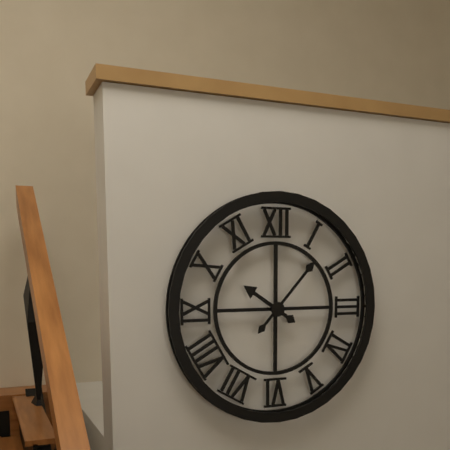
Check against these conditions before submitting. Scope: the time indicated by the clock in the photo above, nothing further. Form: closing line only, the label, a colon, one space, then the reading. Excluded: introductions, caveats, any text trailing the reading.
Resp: 10:07
